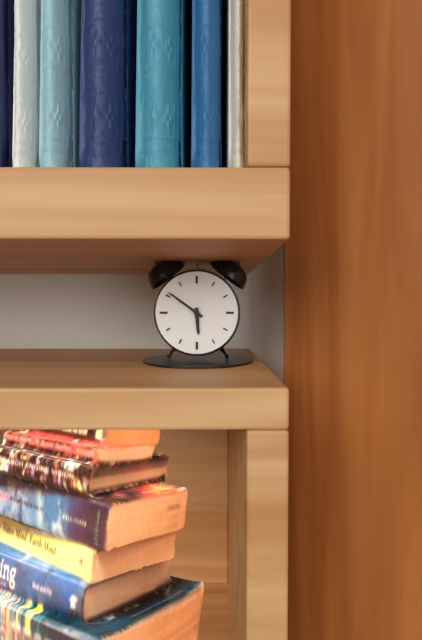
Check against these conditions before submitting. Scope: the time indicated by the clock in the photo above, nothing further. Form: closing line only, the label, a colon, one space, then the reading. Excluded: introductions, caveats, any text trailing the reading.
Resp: 5:51
